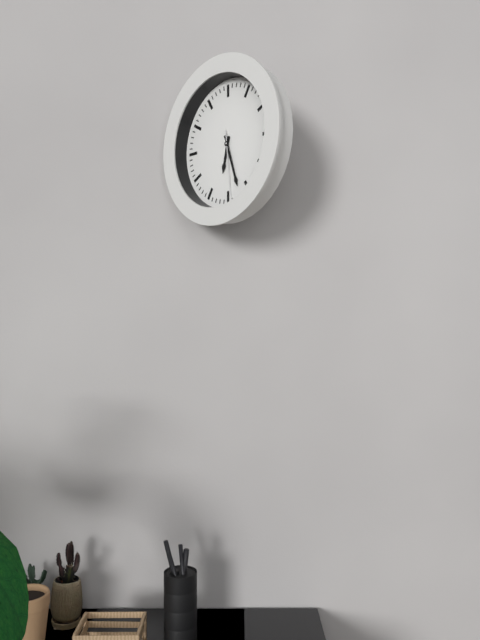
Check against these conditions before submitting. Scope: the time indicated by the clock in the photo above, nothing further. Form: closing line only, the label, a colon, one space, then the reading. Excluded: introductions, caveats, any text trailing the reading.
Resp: 6:27:29
